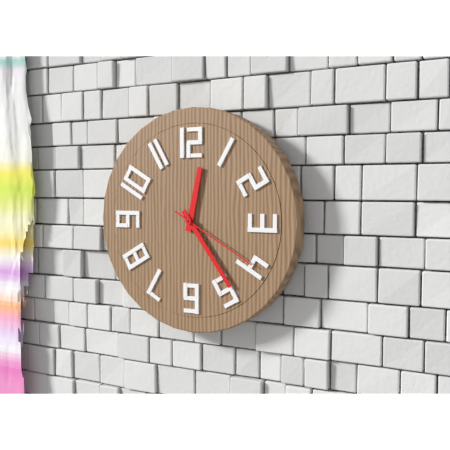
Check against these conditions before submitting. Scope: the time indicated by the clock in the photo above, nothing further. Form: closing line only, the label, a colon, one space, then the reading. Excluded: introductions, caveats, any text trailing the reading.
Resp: 12:24:20
